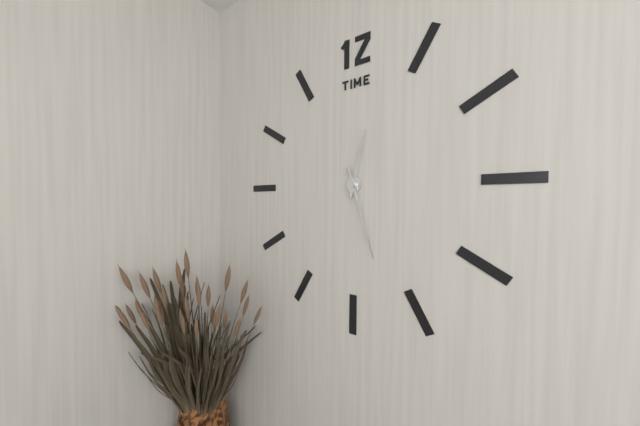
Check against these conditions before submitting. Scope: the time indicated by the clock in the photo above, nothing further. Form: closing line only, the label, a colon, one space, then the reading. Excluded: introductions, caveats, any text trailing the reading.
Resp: 12:27
